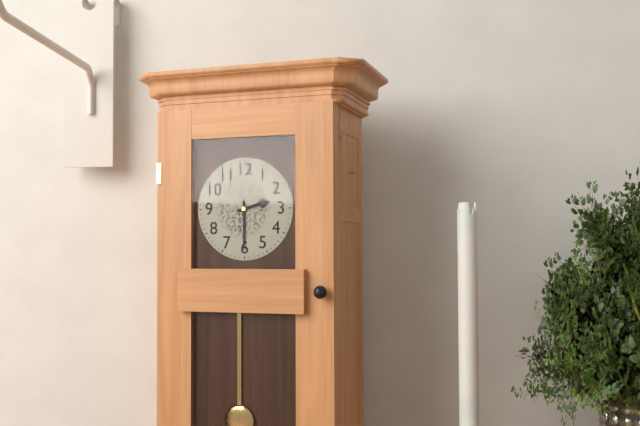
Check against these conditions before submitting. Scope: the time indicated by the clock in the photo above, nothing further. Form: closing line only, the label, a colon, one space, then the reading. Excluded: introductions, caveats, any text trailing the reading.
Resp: 2:30
